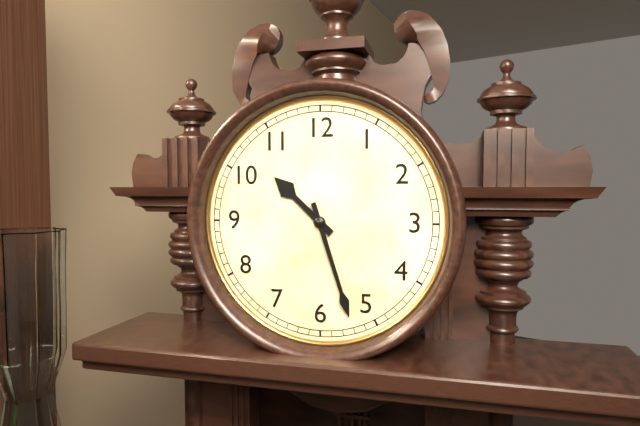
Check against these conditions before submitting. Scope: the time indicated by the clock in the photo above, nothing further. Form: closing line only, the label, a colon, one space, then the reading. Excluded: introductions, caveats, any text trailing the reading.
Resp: 10:27
